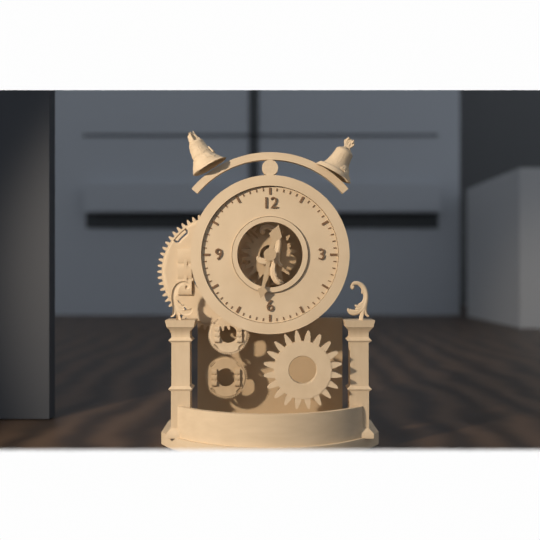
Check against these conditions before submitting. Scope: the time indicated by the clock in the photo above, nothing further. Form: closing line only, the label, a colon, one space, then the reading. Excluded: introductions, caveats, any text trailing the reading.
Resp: 12:32
